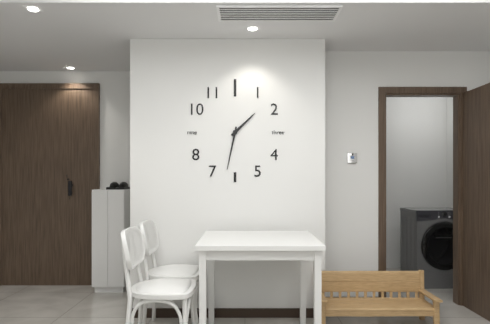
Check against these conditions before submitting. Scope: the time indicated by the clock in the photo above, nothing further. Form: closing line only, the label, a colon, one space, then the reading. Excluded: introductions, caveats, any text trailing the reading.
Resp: 1:32
